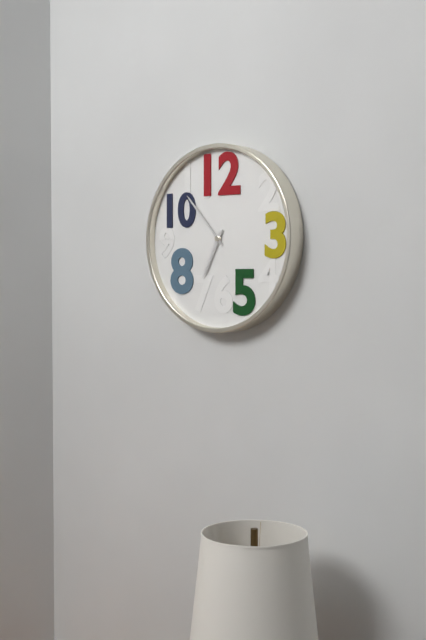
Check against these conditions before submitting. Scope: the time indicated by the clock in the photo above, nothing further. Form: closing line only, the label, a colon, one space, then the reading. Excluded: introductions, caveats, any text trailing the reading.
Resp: 6:53
